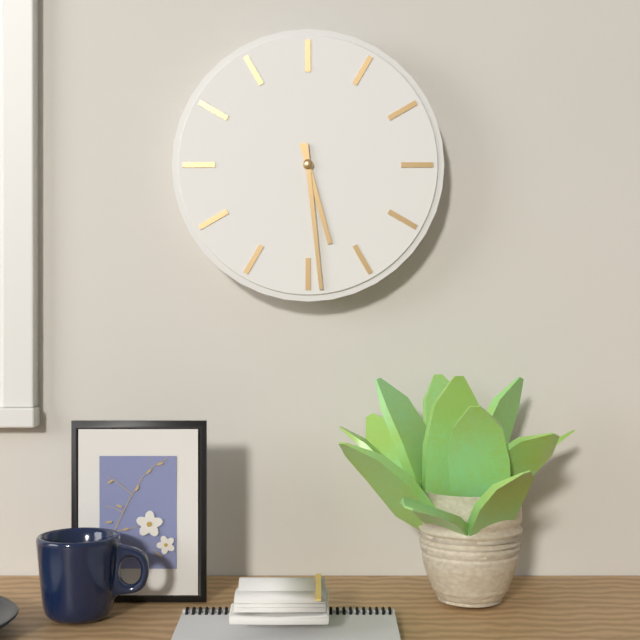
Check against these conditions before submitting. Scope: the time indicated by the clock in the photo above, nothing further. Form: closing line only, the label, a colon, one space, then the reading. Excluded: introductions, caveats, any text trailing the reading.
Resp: 5:29
